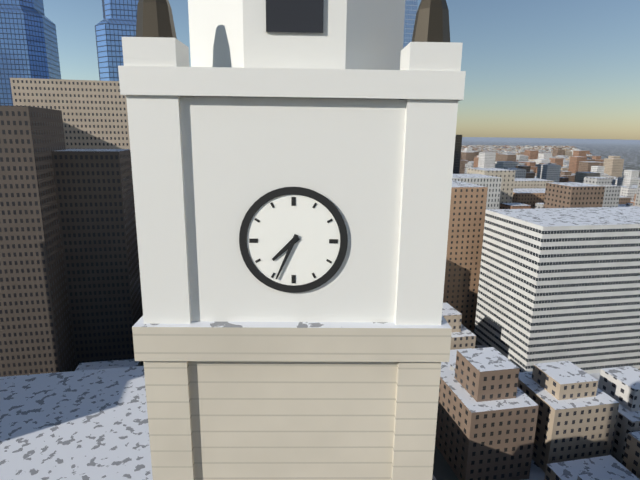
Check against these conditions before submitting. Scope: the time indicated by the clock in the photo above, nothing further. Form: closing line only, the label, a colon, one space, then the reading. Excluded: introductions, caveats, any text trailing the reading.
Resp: 7:34
